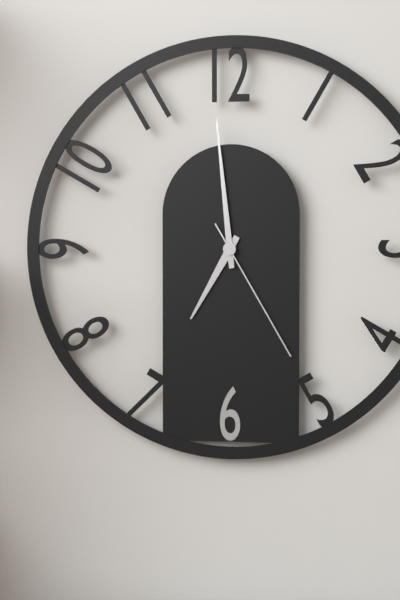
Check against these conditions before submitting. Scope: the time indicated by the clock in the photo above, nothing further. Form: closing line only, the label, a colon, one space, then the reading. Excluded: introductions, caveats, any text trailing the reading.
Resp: 6:59:25
